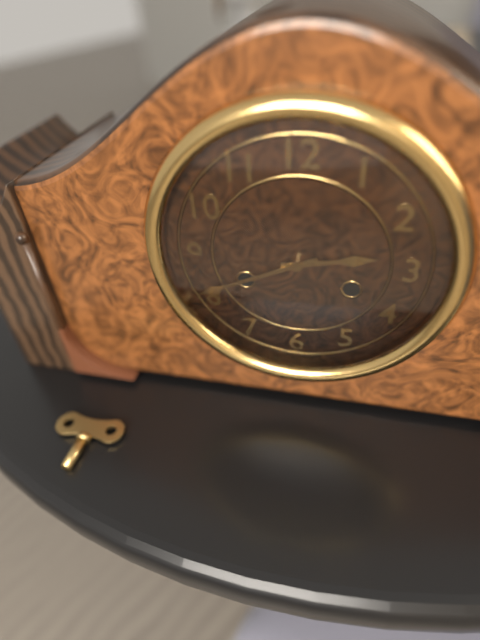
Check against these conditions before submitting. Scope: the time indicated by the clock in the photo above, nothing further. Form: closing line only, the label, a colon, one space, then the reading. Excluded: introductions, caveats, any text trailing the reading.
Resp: 2:41
